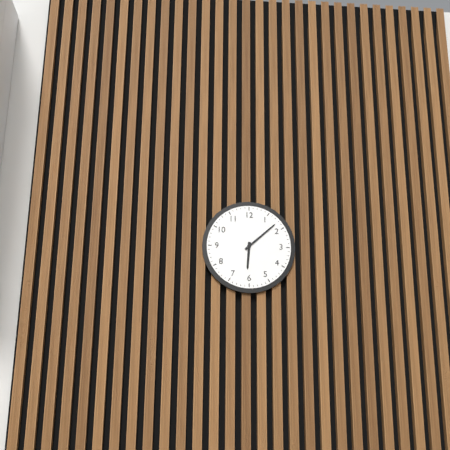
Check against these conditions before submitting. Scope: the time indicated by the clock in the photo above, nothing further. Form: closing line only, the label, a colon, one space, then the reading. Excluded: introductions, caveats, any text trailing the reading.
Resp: 6:08
